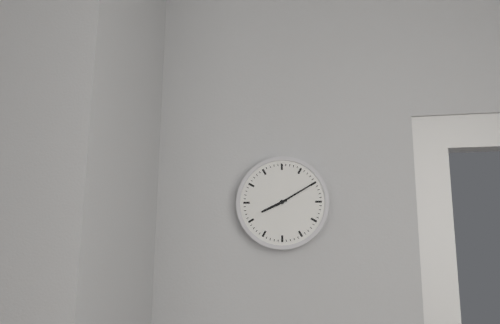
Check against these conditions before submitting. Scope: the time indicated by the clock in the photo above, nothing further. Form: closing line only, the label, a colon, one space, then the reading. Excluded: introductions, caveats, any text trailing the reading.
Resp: 8:10
